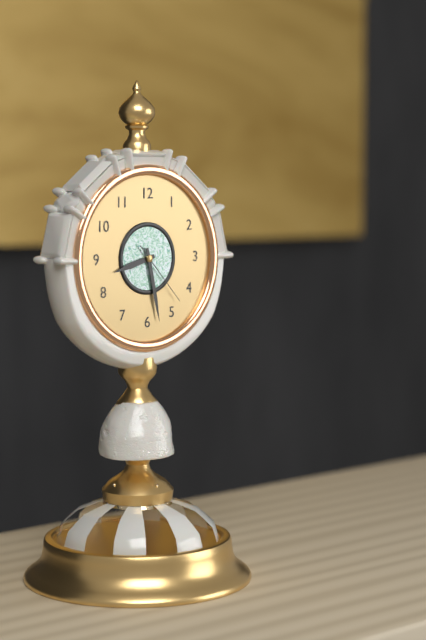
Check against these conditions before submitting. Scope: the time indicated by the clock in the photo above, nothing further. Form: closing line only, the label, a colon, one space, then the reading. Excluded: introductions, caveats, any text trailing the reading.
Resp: 8:28:23
